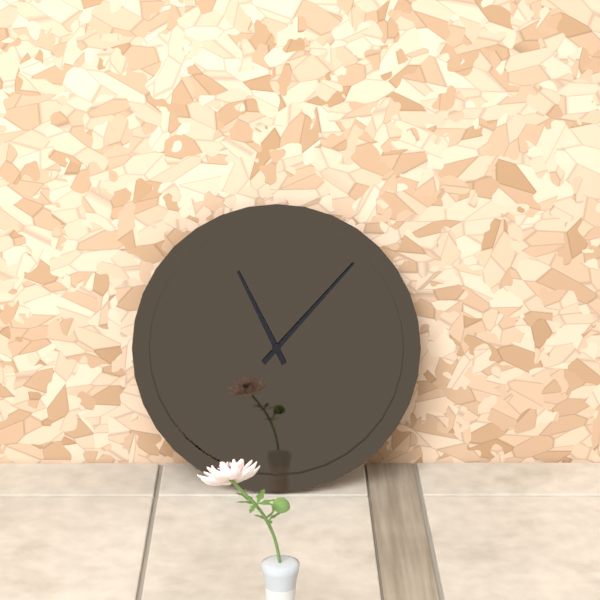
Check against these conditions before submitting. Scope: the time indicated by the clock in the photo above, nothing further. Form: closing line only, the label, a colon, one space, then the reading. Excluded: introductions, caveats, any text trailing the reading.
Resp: 11:07
